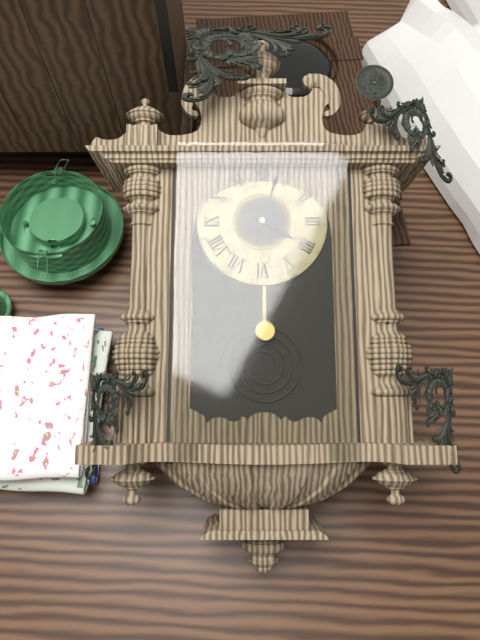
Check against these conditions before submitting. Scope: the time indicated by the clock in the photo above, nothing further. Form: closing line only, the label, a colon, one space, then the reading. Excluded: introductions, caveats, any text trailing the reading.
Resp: 4:03
